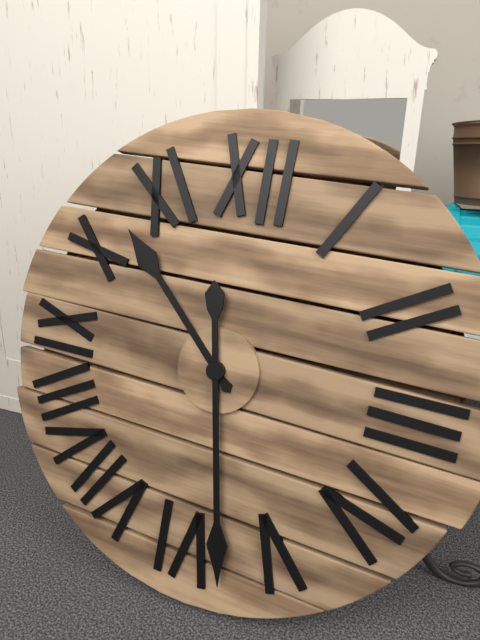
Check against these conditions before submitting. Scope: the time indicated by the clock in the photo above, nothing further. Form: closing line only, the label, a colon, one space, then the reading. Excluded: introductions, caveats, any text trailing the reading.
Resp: 10:28
